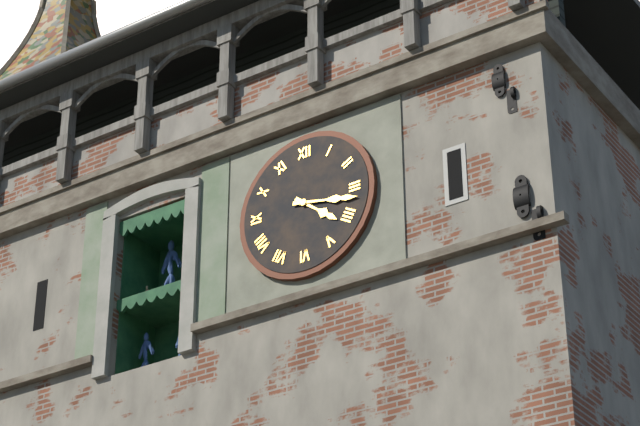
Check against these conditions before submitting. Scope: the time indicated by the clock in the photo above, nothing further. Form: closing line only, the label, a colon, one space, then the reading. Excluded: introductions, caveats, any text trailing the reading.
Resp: 4:17
